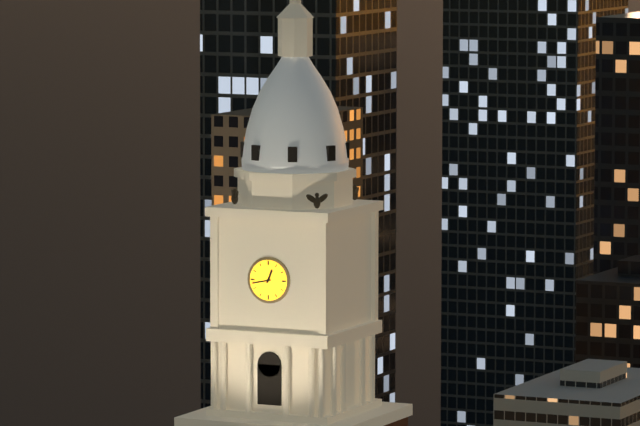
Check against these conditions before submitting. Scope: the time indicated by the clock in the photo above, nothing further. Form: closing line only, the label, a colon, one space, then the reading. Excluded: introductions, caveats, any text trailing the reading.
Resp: 12:43
